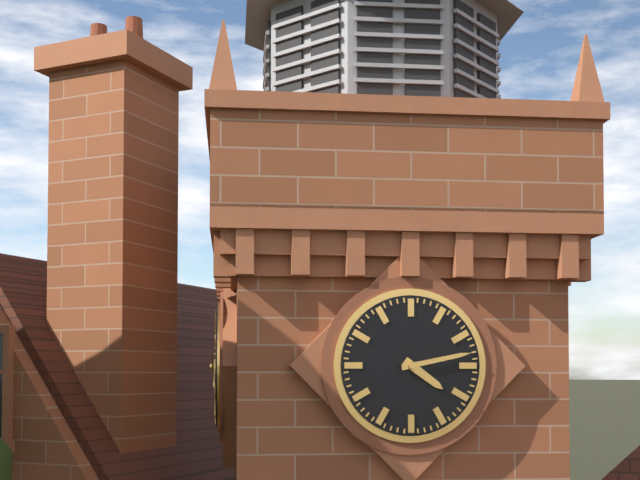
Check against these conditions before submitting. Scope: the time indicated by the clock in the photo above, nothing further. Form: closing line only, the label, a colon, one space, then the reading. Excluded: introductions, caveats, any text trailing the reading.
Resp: 4:13
